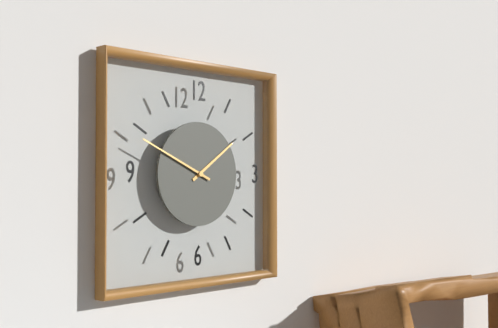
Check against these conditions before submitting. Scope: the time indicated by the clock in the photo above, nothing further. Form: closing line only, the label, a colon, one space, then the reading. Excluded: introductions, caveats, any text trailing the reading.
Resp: 1:49
